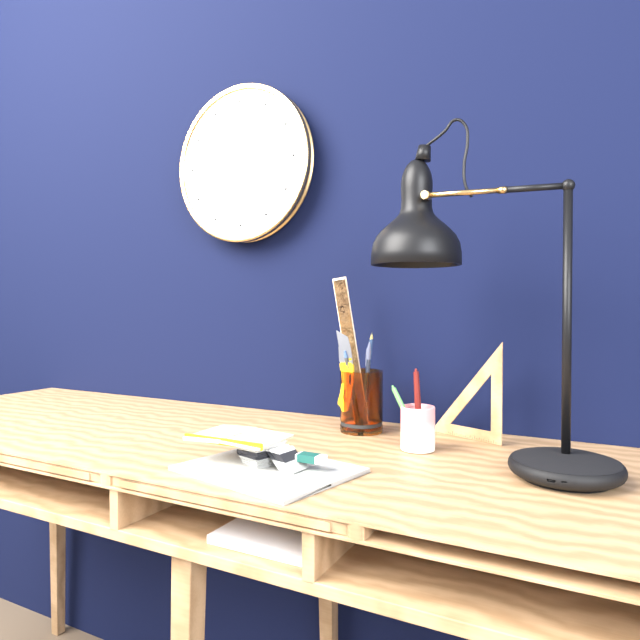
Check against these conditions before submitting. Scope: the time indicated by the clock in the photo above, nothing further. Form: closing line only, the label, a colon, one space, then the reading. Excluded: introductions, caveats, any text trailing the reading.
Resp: 1:28
